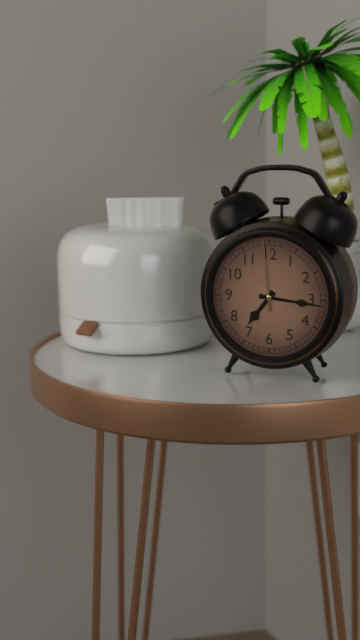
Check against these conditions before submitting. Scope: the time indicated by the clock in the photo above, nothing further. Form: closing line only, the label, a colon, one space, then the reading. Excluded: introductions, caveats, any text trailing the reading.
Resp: 7:16:59
